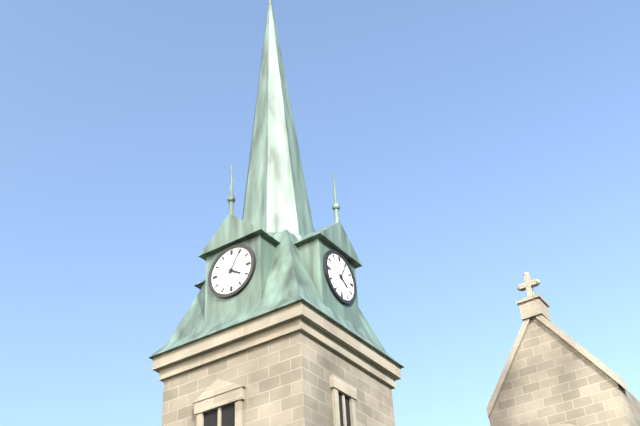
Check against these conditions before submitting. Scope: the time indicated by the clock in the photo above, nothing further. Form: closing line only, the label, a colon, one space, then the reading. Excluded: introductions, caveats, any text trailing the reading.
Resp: 4:05
